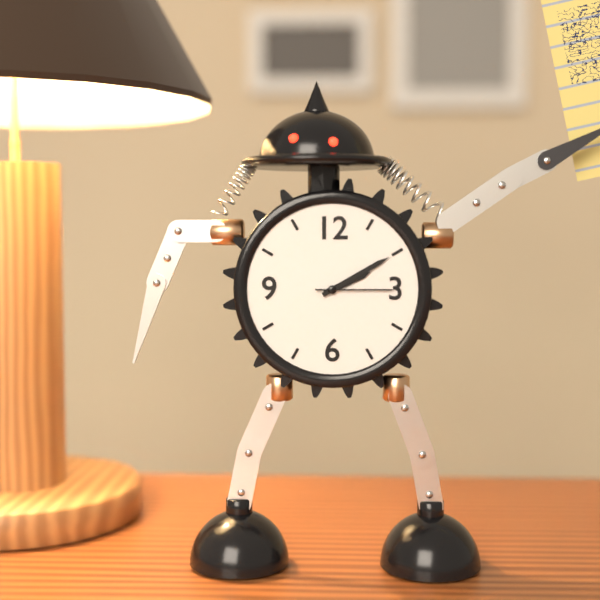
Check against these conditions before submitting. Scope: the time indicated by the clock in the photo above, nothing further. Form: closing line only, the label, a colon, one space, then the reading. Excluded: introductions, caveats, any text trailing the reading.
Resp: 2:10:15
